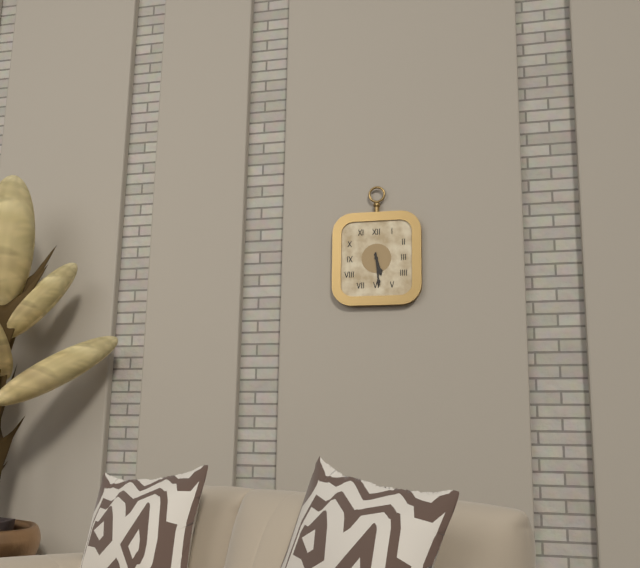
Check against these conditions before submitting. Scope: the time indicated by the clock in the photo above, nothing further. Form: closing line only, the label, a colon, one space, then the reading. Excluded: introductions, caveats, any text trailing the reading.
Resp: 5:29
